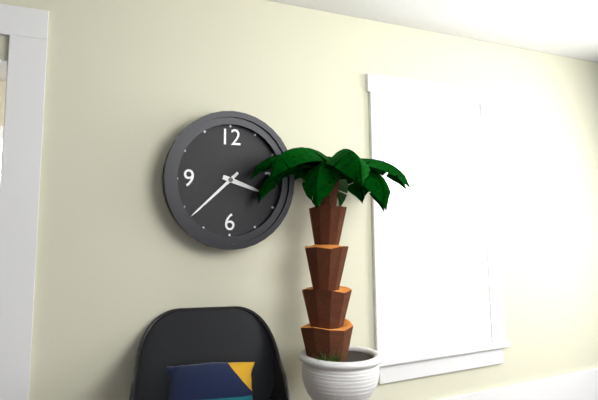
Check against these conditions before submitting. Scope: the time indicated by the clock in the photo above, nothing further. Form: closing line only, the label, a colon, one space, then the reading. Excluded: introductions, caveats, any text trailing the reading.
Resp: 3:38
